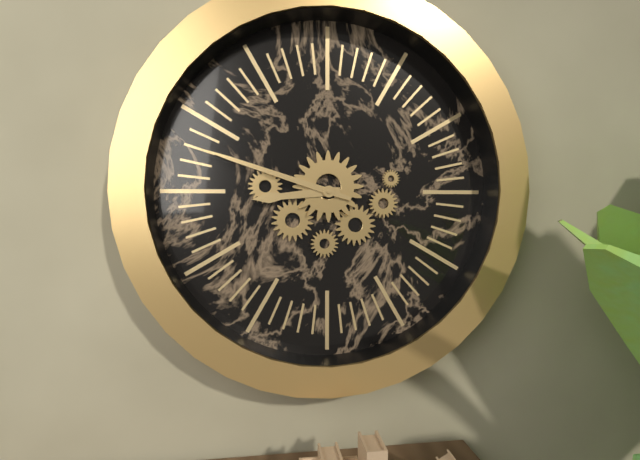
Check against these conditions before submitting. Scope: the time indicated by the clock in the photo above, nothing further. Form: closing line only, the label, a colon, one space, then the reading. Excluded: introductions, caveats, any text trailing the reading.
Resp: 8:48
